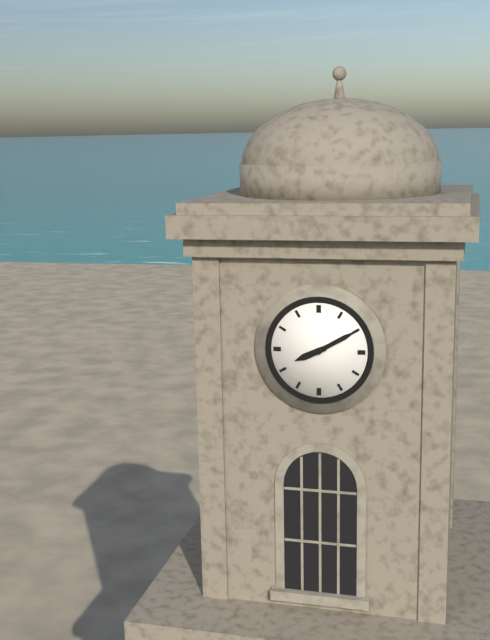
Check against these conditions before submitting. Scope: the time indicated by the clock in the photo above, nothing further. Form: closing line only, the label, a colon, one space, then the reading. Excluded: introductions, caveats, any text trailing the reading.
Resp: 8:10
